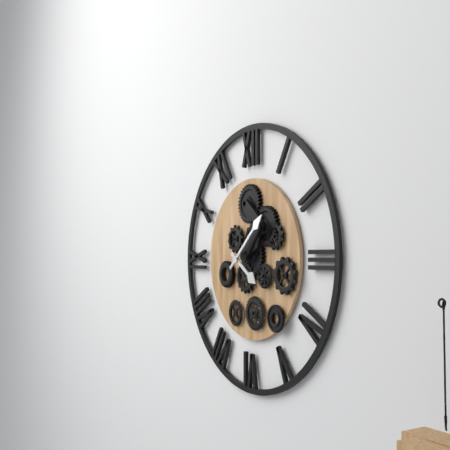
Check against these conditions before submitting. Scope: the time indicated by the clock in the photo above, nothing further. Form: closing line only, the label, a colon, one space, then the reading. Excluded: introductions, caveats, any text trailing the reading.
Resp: 4:08
